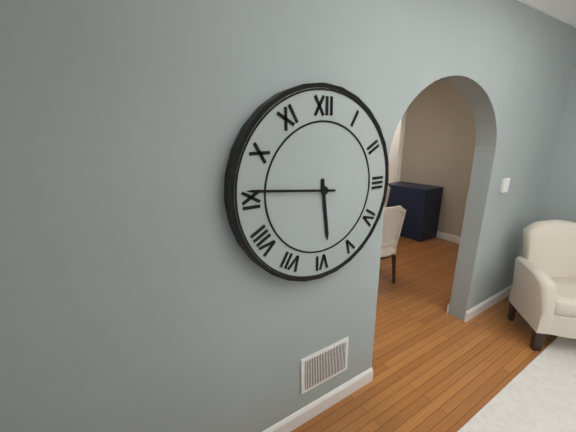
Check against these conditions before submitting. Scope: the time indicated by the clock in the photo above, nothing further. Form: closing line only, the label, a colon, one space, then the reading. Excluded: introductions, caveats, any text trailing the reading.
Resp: 5:46
